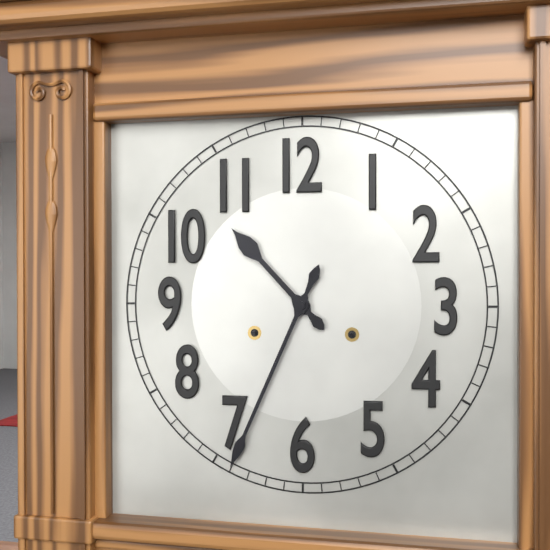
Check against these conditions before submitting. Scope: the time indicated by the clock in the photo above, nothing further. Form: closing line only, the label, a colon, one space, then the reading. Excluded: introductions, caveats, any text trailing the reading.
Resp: 10:34
